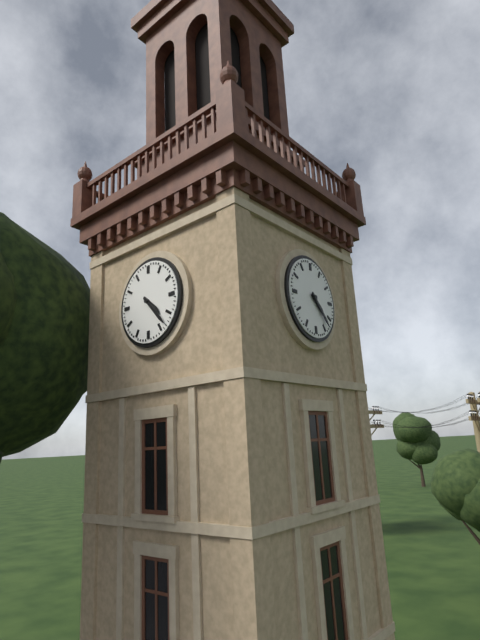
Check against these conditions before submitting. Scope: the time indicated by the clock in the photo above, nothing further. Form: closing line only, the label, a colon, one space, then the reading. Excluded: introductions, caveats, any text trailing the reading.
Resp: 4:23
